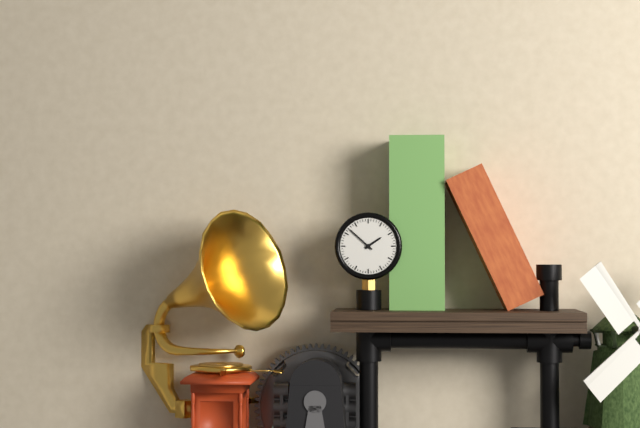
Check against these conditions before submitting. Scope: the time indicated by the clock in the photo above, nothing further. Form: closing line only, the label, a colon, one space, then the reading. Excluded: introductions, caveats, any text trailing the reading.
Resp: 1:52
